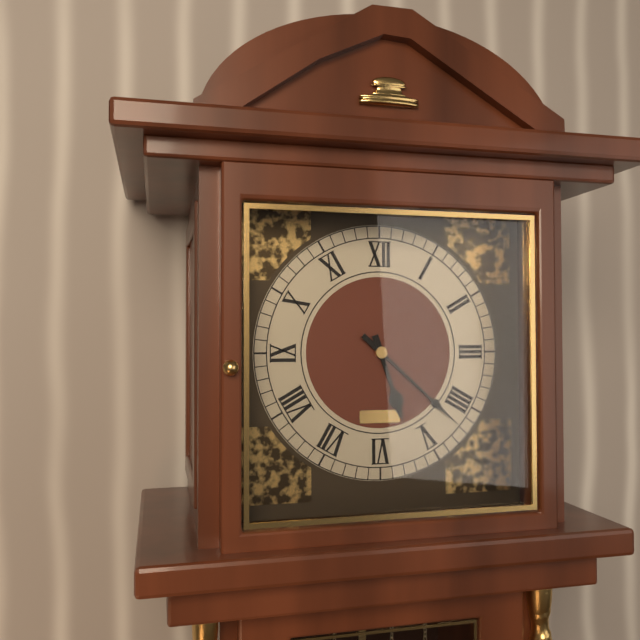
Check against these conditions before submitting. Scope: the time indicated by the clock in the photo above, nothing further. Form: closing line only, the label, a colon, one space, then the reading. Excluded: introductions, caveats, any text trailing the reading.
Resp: 5:22
